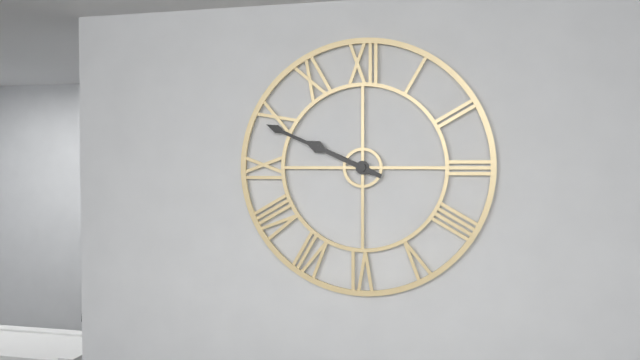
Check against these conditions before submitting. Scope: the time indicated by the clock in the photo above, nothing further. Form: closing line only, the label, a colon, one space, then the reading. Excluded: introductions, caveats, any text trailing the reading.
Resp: 9:49
